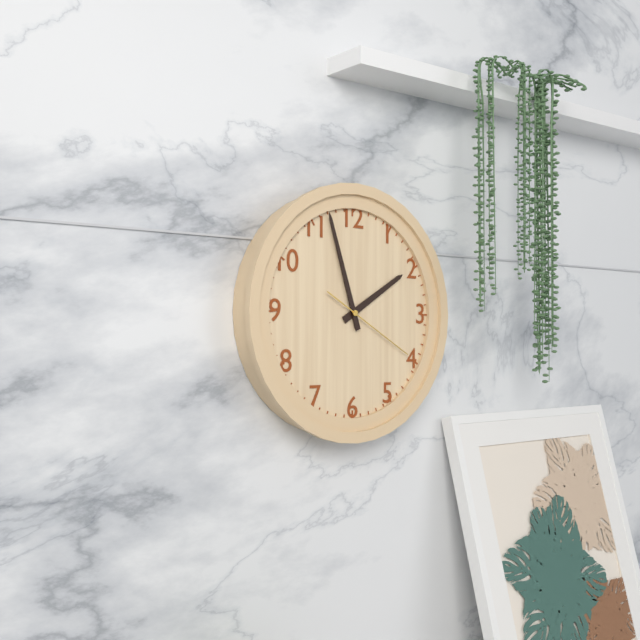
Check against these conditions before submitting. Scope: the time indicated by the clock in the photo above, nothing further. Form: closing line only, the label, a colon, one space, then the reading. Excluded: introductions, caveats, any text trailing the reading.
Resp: 1:57:20
